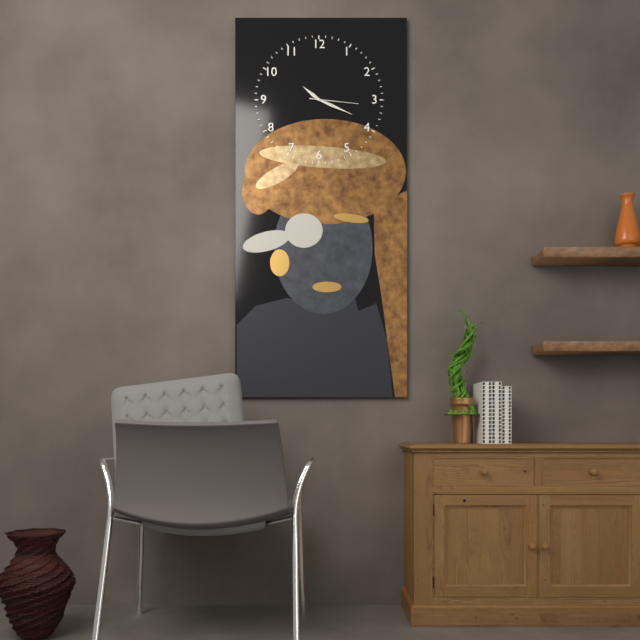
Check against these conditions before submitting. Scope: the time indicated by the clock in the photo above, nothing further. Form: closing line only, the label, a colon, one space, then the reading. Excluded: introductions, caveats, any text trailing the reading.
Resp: 10:19
